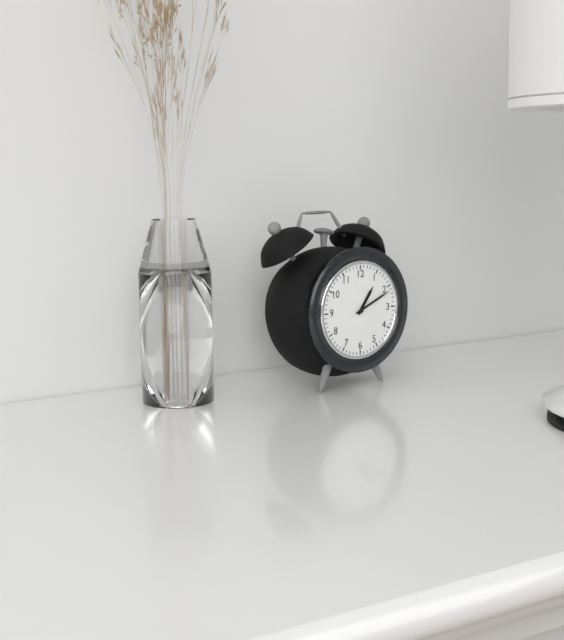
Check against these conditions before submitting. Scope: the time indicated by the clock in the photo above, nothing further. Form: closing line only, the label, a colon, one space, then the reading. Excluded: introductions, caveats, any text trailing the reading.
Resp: 1:11
